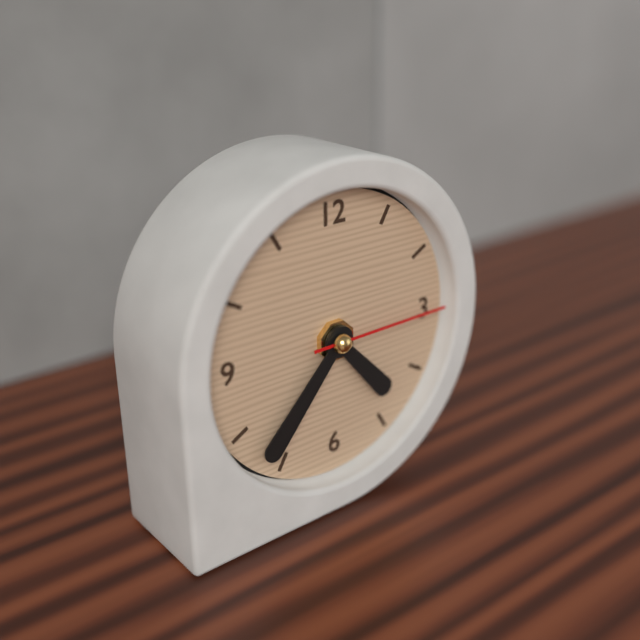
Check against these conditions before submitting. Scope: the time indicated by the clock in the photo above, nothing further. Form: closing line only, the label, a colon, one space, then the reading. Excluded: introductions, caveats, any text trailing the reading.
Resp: 4:37:15
